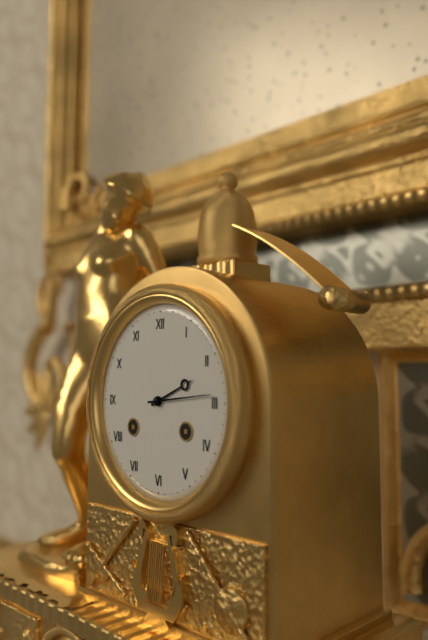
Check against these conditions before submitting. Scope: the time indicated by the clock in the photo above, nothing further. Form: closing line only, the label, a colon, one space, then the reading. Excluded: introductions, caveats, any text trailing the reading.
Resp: 2:14
